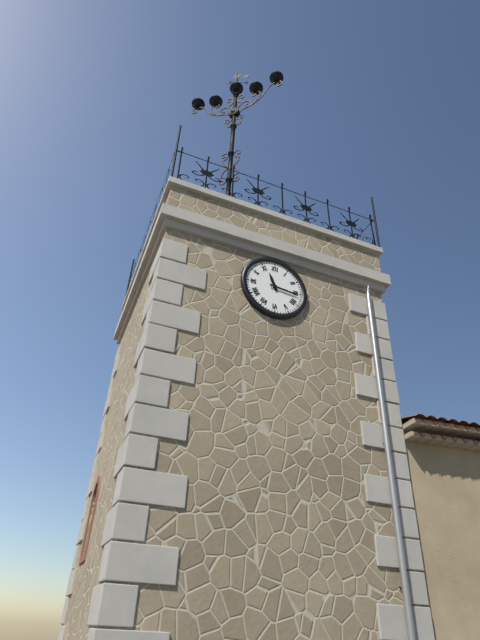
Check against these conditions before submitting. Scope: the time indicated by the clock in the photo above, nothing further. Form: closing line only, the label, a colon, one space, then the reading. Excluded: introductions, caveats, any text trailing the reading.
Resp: 11:16
